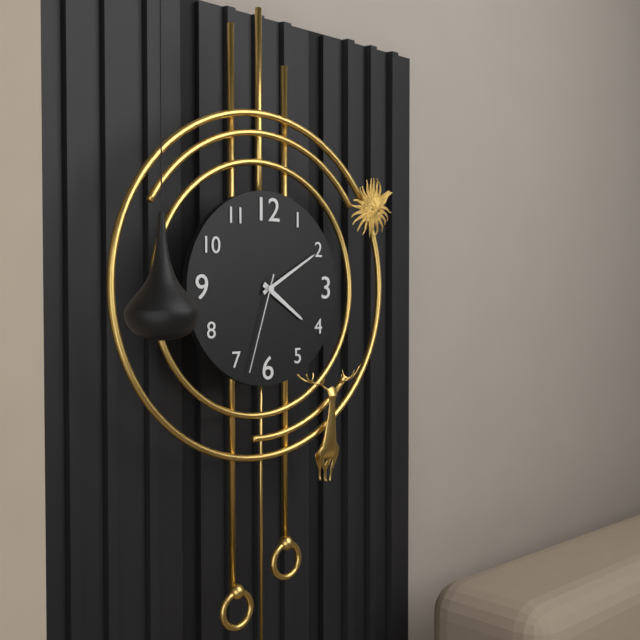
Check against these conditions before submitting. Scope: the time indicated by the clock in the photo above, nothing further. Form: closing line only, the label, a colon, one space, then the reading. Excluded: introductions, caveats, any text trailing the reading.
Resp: 4:10:33
